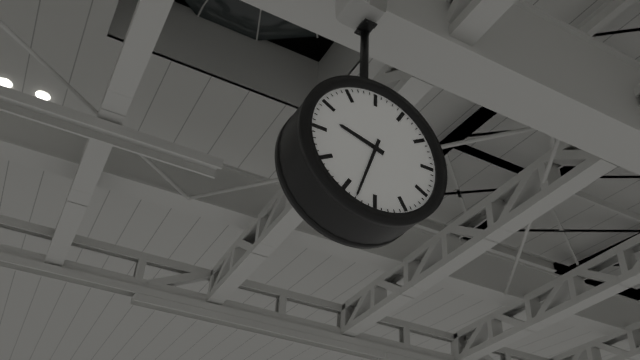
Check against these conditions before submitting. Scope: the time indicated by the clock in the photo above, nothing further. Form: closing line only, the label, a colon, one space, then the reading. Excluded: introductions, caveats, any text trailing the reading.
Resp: 9:33
